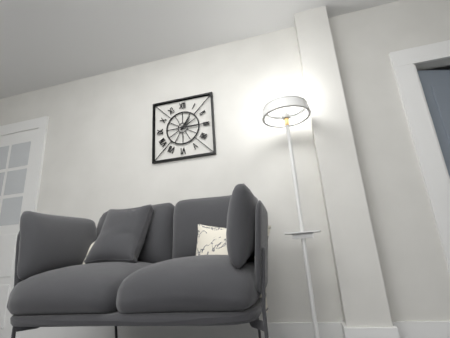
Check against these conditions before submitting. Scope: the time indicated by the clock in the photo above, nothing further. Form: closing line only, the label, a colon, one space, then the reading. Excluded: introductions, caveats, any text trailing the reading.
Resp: 1:15
